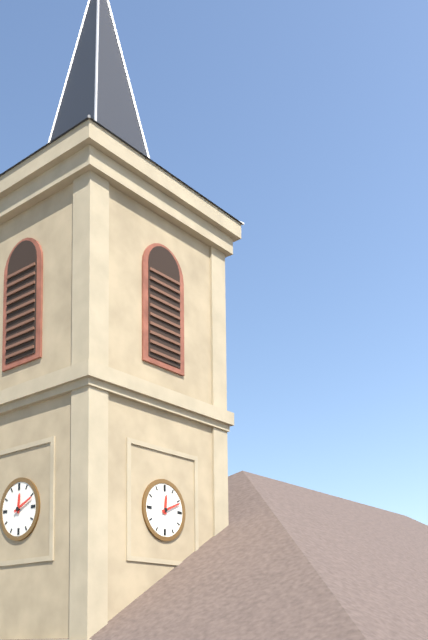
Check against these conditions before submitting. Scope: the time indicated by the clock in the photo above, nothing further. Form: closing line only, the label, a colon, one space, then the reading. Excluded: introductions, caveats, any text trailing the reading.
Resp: 12:11
